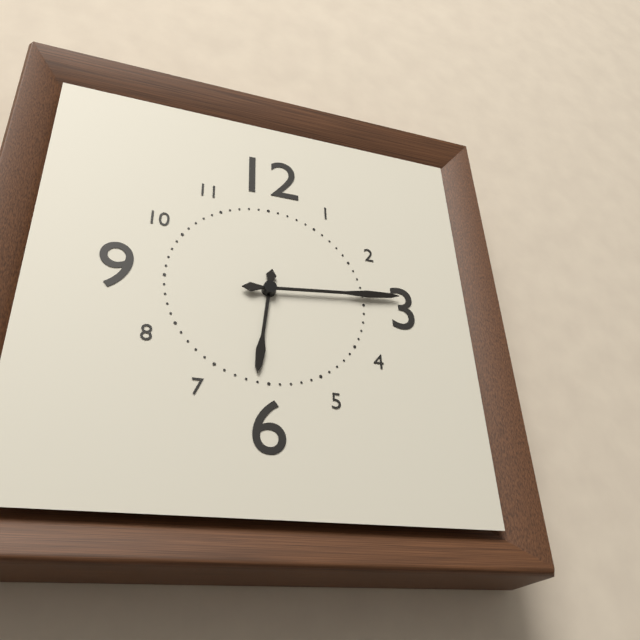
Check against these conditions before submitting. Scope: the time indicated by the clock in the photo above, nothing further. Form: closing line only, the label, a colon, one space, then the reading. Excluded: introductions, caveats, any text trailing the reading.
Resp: 6:14
